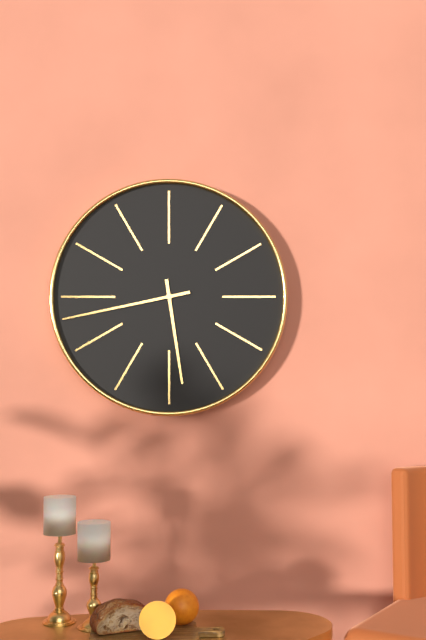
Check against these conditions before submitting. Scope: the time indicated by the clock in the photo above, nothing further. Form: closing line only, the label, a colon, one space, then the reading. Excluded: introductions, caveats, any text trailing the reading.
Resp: 5:43
